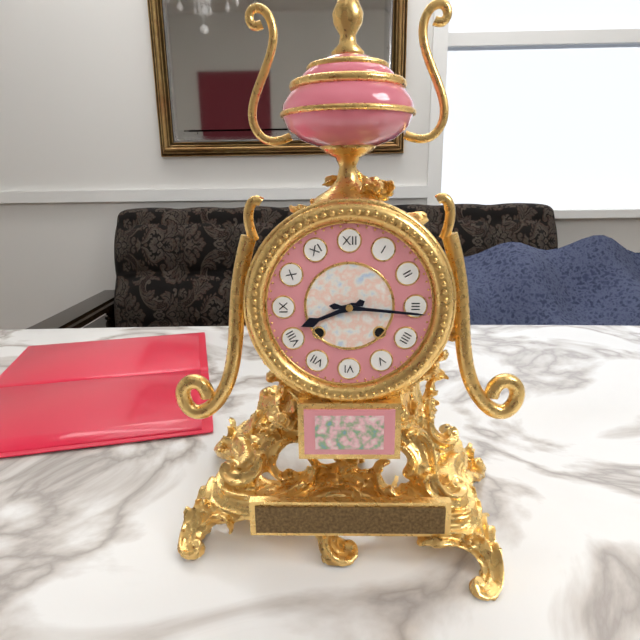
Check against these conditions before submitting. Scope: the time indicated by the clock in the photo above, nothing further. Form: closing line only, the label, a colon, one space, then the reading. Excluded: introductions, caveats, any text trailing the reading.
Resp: 8:16
